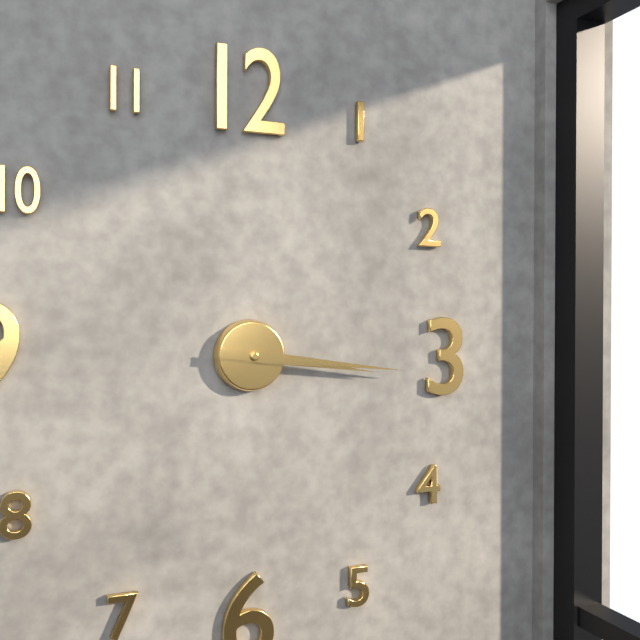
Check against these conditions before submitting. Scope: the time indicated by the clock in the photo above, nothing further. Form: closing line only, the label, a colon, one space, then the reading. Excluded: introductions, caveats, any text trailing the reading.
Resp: 3:16
